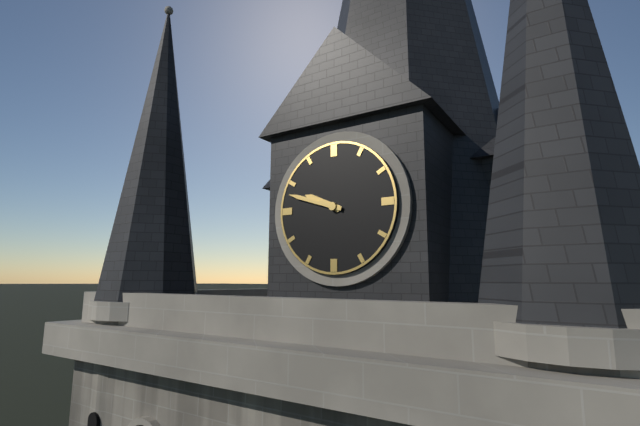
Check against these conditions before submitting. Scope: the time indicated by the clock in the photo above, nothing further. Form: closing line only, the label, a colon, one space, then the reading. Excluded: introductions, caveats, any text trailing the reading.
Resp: 9:48
